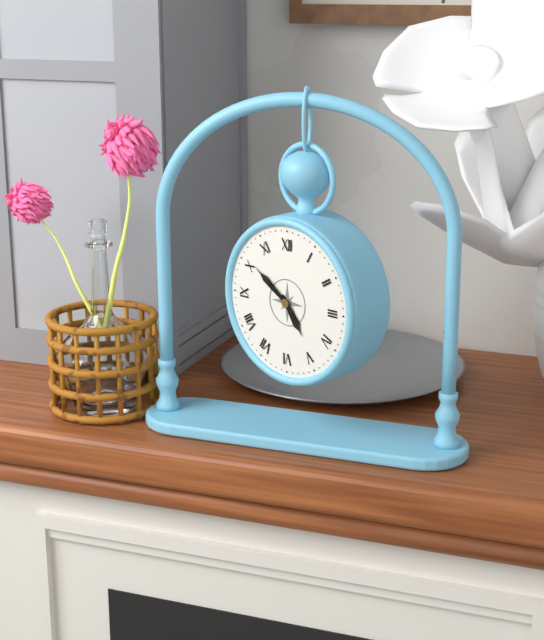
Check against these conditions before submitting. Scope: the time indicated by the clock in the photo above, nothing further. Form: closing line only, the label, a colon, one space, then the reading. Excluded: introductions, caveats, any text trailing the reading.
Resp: 4:51
